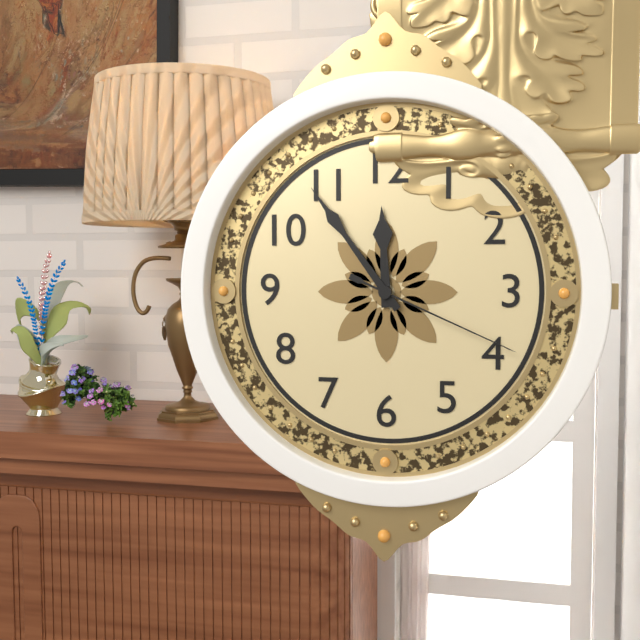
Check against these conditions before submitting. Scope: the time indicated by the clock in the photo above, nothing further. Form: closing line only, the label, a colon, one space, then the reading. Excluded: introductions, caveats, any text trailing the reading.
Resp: 11:54:19
